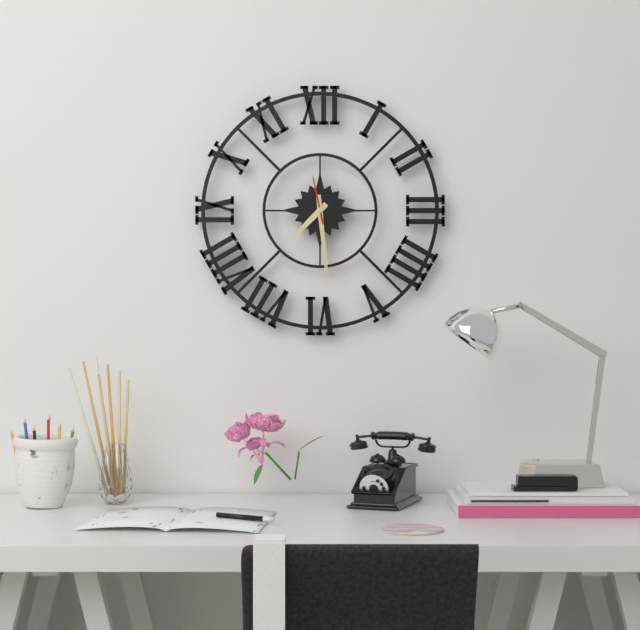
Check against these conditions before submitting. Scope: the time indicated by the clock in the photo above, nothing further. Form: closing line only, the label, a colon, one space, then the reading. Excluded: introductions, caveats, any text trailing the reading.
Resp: 7:29
